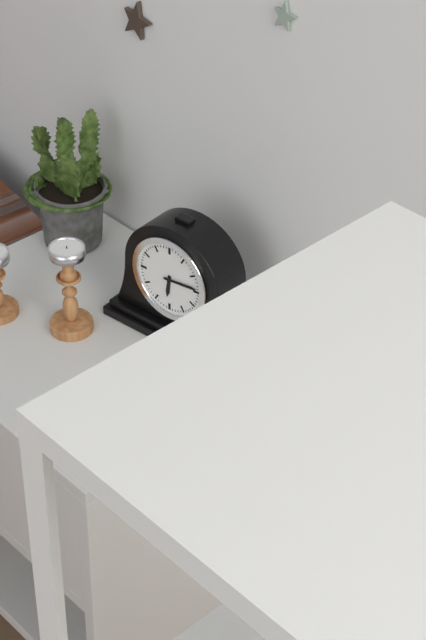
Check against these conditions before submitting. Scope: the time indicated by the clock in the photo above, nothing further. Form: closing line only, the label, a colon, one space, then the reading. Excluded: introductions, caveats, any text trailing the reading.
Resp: 6:14
